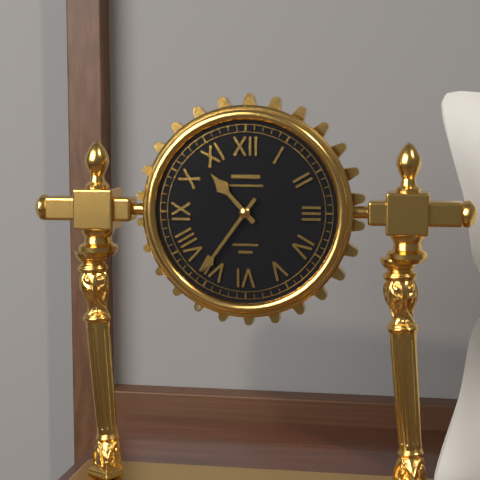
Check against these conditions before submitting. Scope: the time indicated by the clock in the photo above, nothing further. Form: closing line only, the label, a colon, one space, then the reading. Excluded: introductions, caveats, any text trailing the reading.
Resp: 10:36
